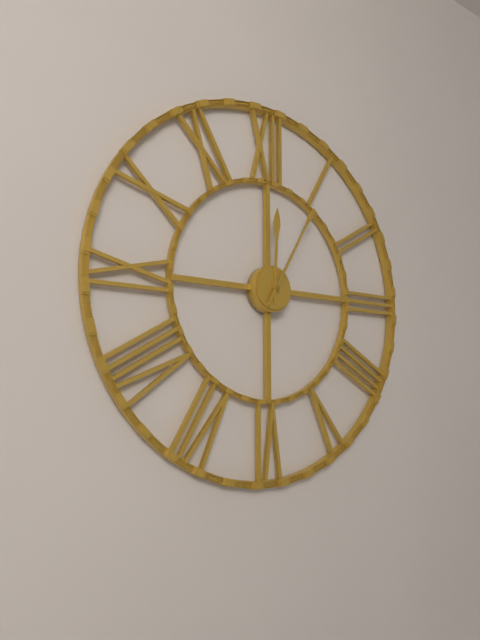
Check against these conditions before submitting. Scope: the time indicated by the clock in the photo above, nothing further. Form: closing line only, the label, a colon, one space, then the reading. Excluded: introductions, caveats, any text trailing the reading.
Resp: 12:05
